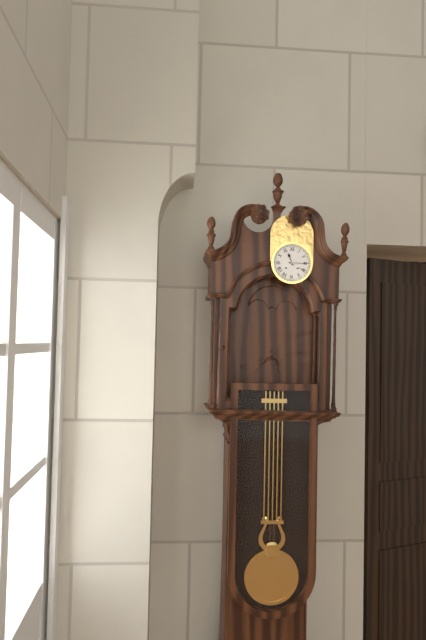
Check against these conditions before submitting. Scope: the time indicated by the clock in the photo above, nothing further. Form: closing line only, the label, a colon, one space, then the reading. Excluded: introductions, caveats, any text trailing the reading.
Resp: 11:15
